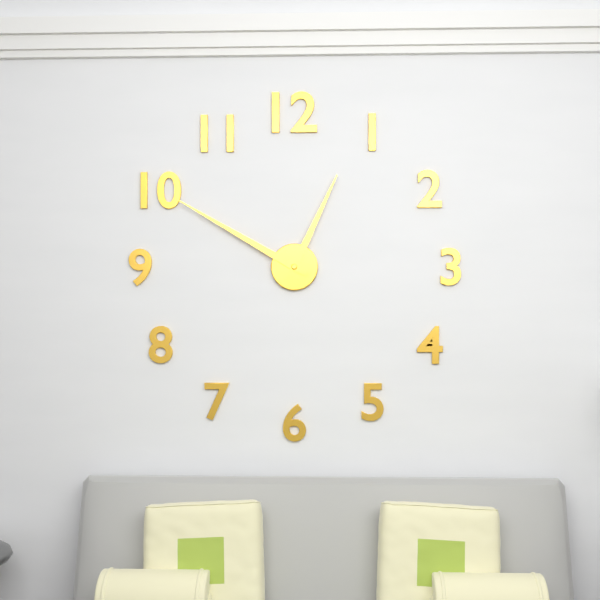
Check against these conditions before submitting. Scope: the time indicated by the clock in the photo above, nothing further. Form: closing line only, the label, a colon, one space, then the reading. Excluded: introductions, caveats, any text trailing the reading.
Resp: 12:50
